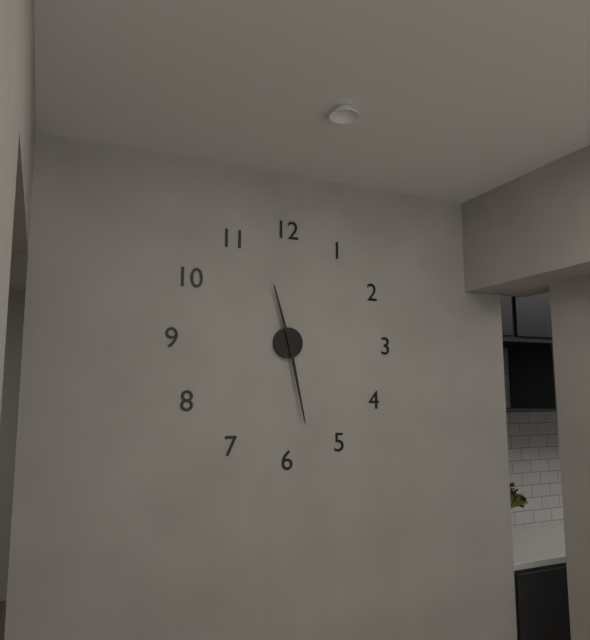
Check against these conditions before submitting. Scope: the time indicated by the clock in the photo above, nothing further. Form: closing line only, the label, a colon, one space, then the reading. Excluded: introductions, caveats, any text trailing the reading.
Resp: 11:28
